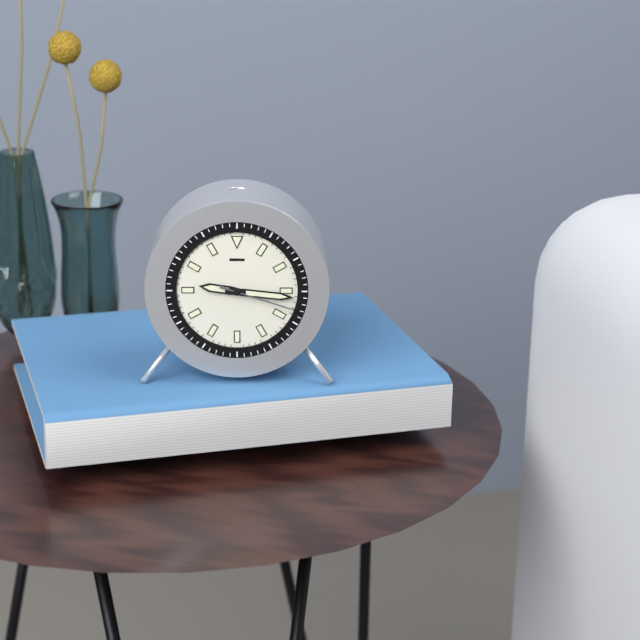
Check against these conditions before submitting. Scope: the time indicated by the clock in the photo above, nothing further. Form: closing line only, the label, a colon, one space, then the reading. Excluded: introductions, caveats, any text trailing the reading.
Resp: 9:16:18
